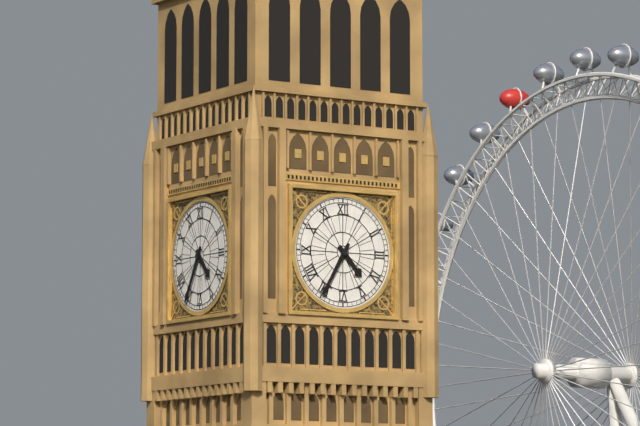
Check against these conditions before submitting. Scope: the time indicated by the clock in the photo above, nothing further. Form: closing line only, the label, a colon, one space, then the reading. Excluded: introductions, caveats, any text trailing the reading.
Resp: 4:35
